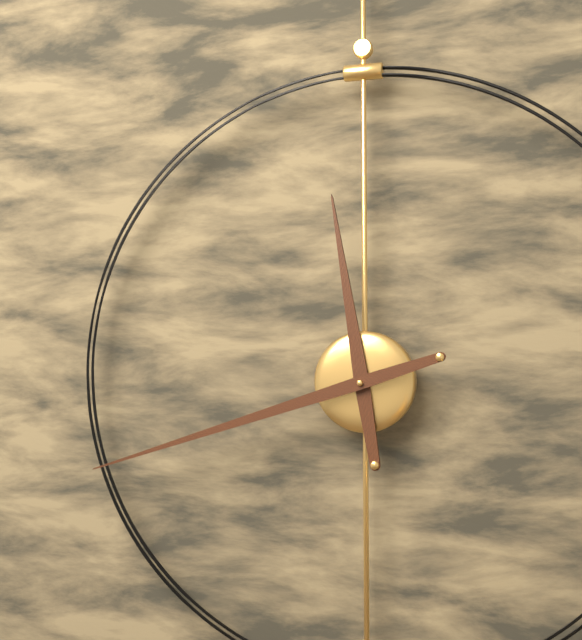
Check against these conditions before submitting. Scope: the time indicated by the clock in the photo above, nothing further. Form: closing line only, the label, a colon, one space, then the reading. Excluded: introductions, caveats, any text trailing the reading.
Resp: 11:42
